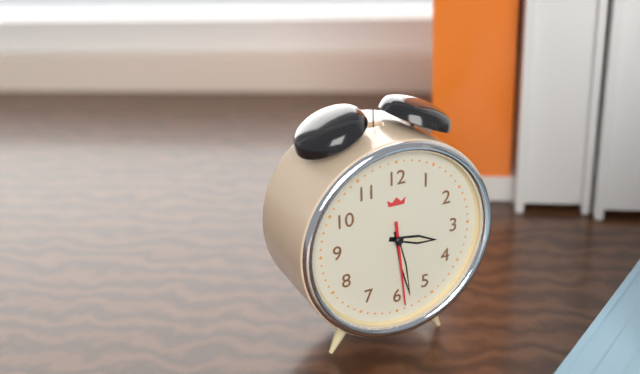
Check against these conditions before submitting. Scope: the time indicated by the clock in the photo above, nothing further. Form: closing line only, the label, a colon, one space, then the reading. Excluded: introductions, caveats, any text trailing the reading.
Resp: 3:28:29
